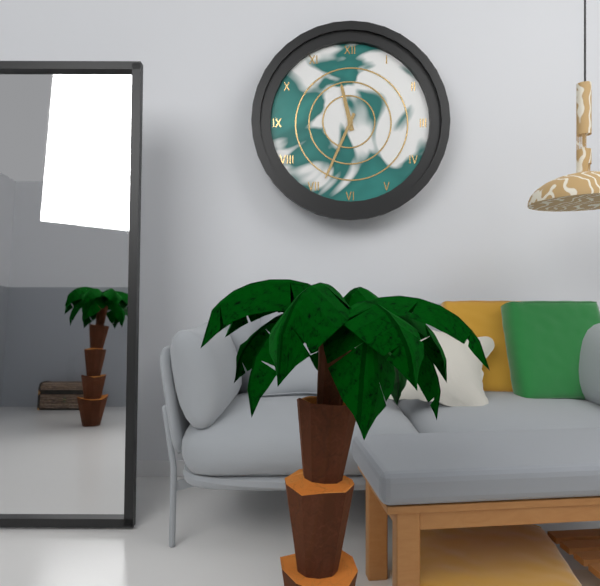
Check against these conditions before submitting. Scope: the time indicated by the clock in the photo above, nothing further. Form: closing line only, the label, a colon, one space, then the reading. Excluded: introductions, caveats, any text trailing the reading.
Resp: 11:34
